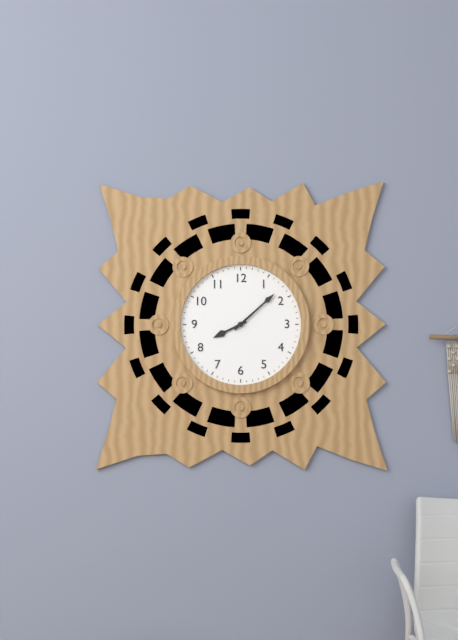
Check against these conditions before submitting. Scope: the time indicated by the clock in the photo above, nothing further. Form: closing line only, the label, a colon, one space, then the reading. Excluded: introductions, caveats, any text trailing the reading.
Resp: 8:08
